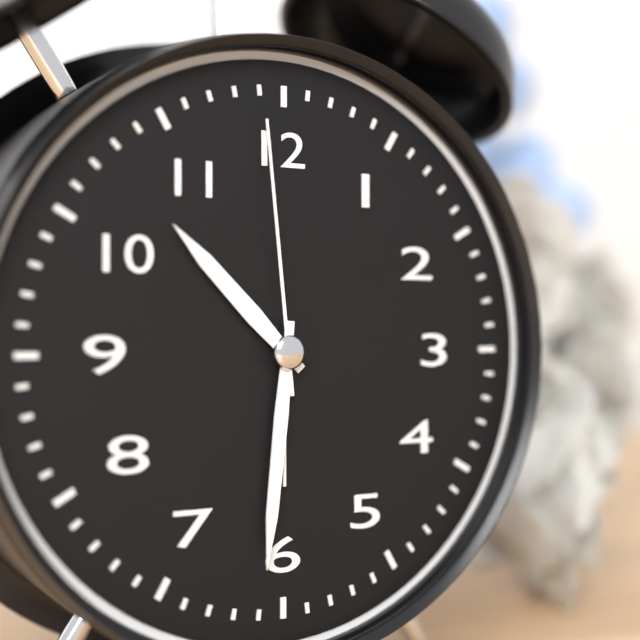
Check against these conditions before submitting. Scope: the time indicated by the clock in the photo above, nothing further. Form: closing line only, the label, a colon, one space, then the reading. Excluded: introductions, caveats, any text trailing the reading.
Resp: 10:31:59
